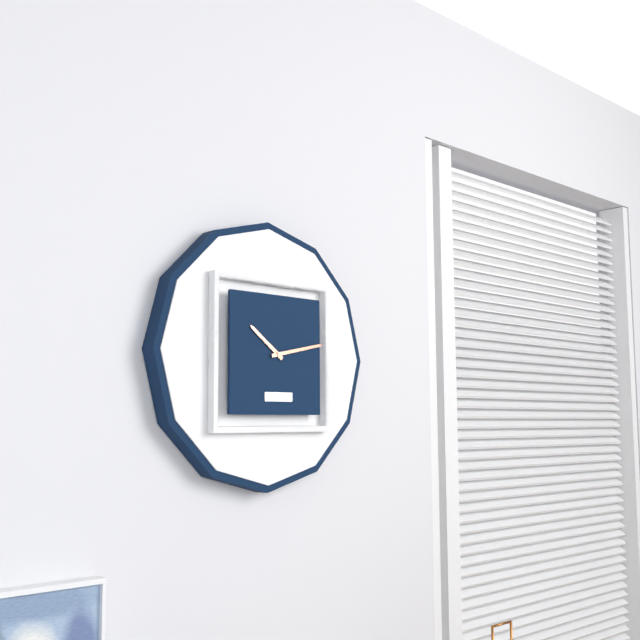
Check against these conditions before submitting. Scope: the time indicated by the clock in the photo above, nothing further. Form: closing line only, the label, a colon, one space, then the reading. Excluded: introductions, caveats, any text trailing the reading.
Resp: 10:13
